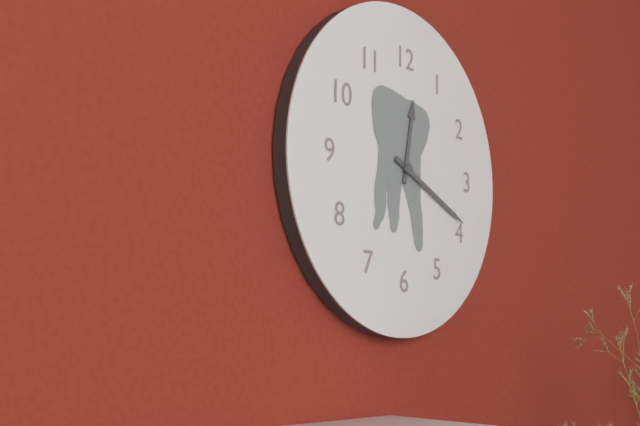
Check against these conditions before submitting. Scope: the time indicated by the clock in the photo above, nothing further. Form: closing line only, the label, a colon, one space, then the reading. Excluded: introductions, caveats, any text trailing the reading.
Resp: 12:19
